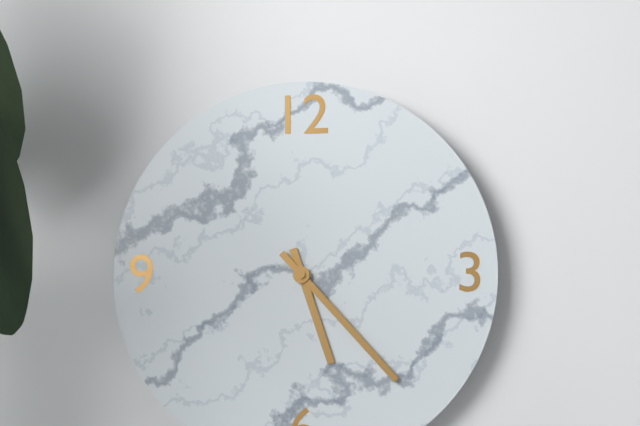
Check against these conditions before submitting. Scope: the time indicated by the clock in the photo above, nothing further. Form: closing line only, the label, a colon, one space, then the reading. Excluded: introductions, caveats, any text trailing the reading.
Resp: 5:23
